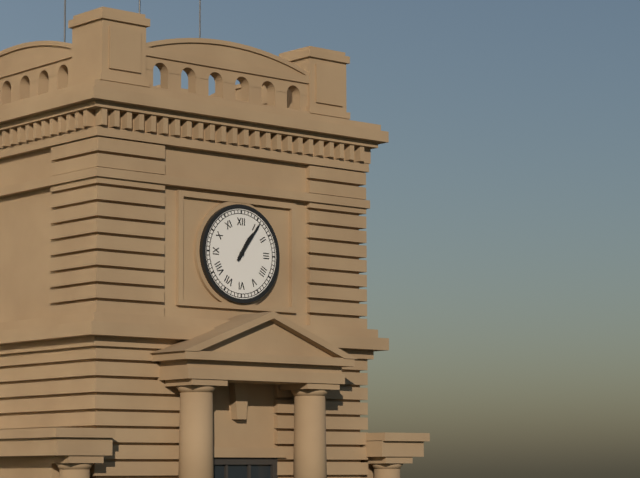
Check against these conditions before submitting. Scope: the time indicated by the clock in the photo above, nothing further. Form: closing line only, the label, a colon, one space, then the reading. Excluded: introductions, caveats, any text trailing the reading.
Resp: 1:06
